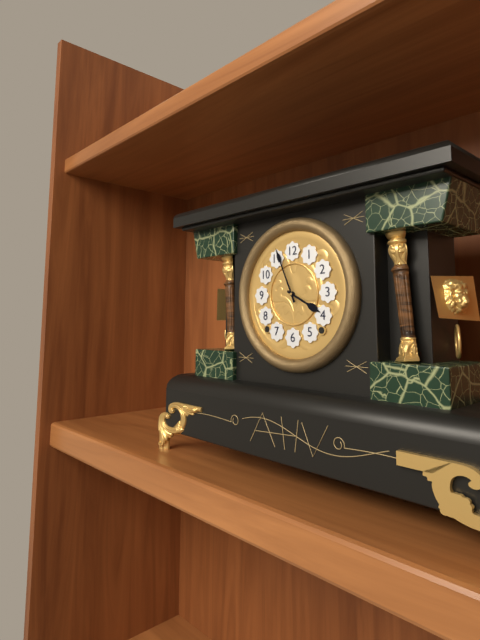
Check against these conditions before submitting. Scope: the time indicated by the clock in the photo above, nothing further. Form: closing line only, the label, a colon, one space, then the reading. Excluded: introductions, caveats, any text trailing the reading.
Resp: 3:56
